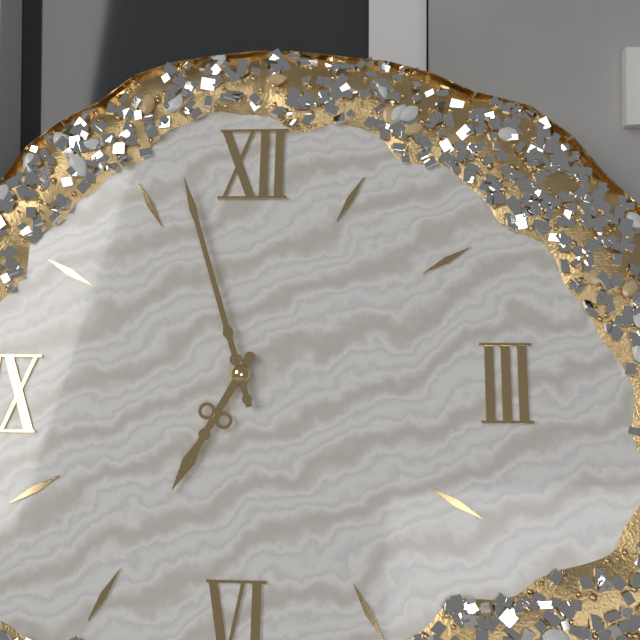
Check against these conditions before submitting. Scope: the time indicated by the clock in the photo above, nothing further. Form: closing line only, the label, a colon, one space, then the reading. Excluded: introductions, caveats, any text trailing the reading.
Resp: 6:57
